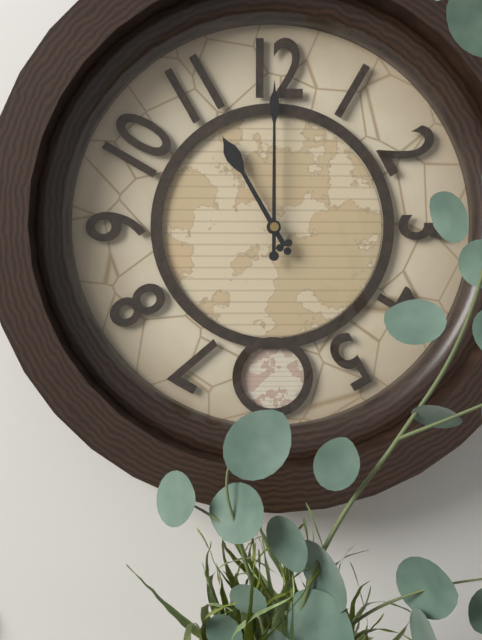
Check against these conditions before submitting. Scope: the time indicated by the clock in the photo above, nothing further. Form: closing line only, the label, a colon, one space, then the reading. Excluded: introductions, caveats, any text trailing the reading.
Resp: 11:00
